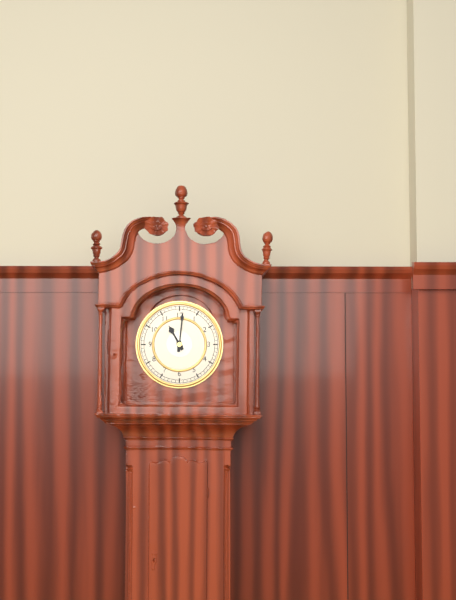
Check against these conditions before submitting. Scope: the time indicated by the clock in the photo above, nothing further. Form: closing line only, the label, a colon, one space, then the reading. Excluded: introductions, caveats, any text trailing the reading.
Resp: 11:01
